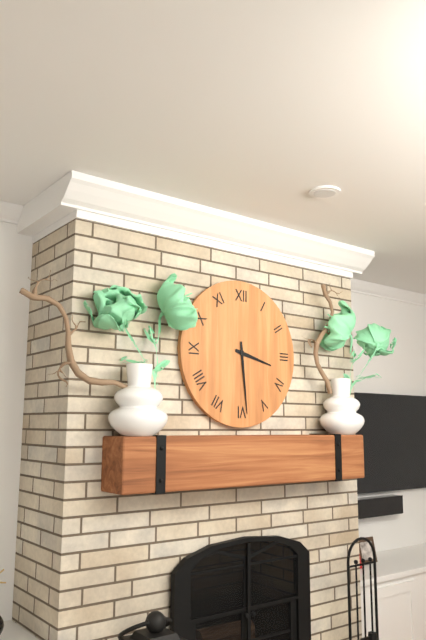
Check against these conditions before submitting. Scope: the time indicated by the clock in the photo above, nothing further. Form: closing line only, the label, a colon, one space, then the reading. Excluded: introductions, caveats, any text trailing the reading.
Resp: 3:29
